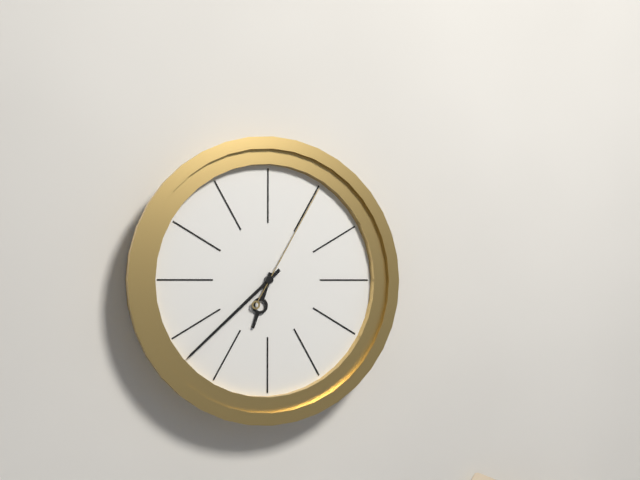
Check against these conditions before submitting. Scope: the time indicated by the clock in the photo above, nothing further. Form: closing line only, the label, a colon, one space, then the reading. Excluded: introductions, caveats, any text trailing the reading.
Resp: 6:38:05
